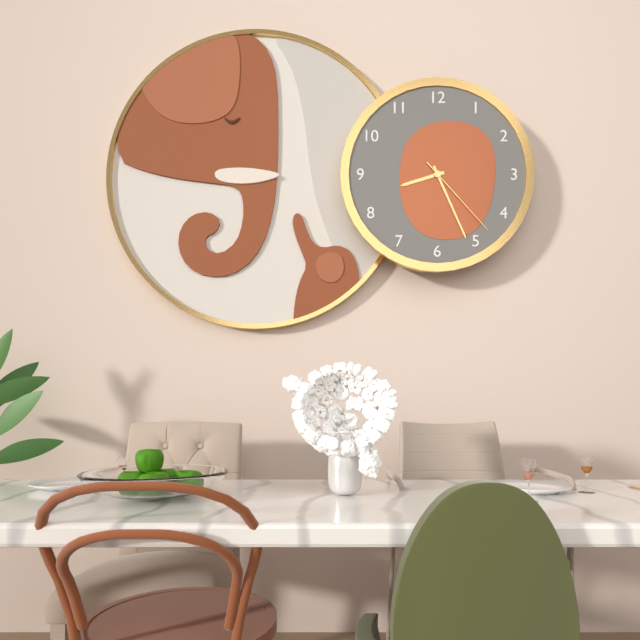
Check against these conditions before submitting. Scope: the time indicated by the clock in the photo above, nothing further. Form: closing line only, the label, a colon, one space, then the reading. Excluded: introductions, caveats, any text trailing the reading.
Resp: 8:26:23
